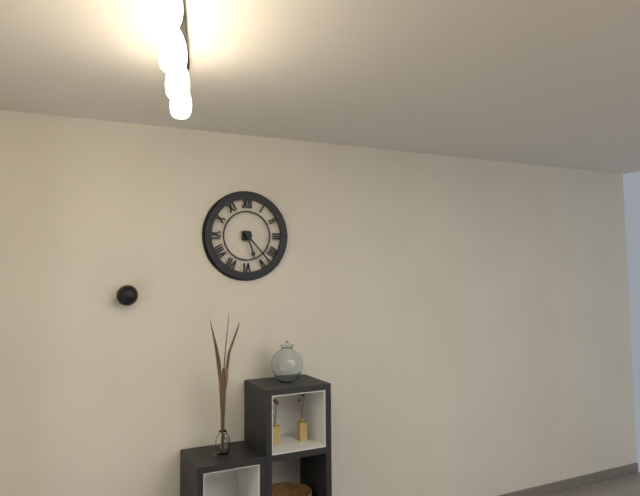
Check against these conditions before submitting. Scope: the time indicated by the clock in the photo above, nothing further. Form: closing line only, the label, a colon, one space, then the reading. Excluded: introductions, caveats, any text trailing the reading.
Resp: 5:23
